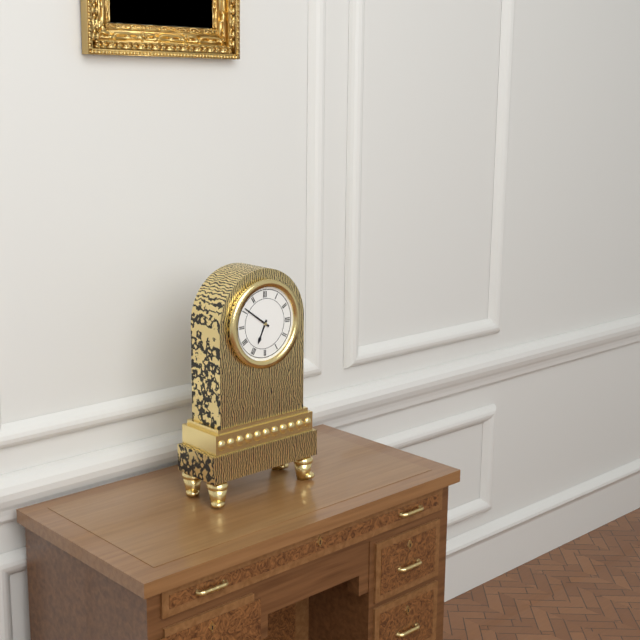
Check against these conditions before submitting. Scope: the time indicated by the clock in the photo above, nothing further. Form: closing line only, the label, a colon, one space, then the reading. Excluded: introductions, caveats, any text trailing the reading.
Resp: 6:51
